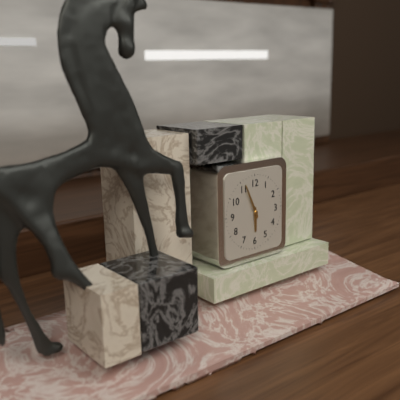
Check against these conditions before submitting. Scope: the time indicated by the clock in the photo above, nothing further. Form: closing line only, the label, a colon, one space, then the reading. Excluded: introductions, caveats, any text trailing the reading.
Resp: 5:56
